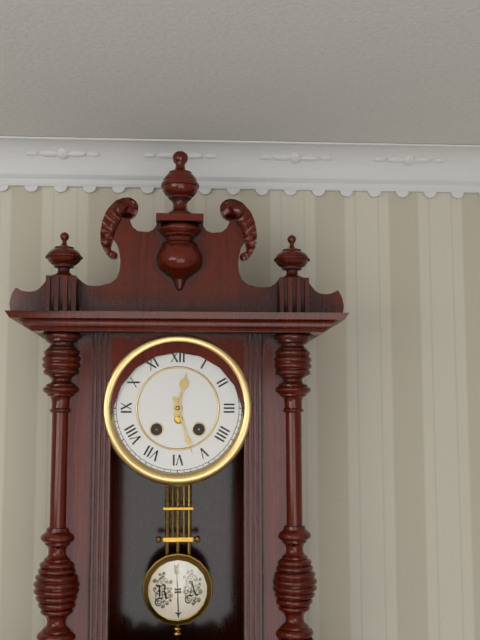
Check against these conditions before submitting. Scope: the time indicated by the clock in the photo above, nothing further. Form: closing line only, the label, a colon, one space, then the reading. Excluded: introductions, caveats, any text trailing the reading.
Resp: 12:27
